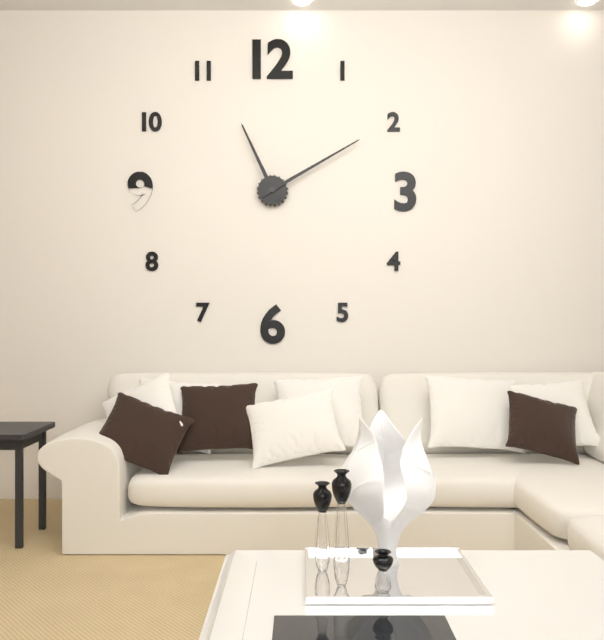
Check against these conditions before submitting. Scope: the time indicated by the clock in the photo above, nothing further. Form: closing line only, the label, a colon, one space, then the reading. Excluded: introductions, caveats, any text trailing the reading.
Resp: 11:10
